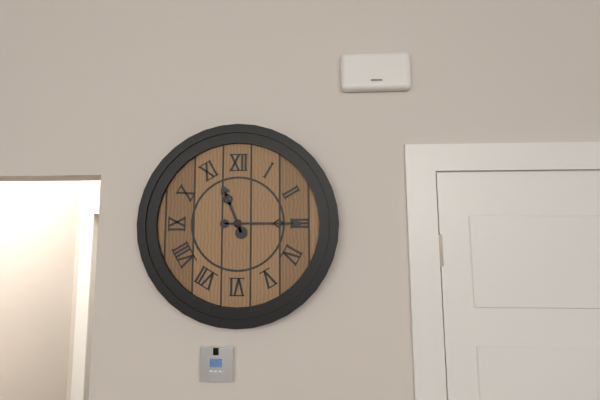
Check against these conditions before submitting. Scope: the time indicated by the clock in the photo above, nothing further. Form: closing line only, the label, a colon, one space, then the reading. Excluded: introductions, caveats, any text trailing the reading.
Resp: 11:15
